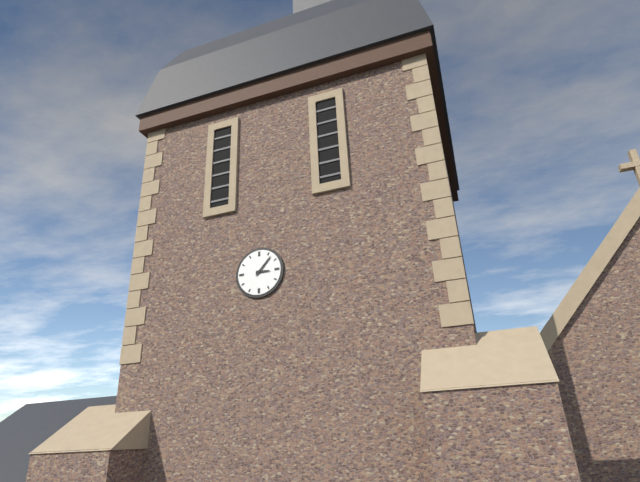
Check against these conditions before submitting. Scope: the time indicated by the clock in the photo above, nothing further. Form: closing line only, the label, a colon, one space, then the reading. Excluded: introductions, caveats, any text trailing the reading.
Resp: 3:07
